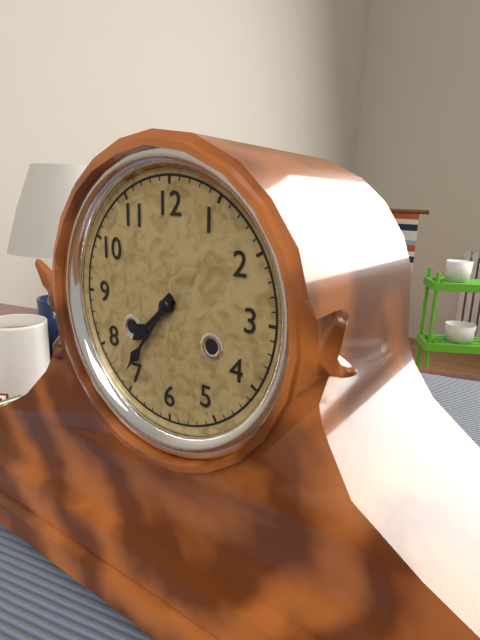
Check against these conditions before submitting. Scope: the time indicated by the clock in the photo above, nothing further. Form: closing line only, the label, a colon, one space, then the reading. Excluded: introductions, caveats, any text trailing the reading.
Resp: 7:36
